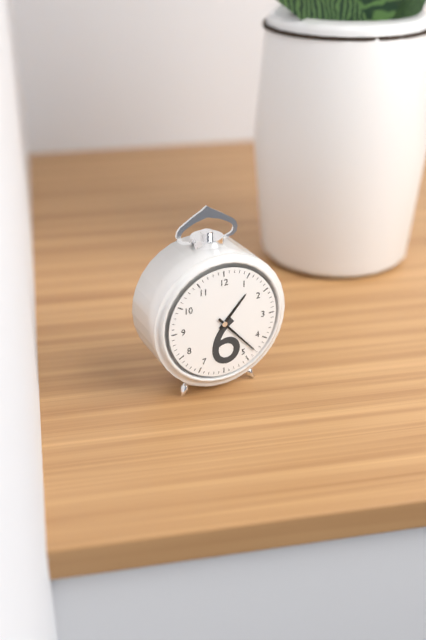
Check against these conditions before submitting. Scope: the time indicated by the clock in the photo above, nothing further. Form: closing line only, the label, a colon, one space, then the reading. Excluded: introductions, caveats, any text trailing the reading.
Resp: 1:23
